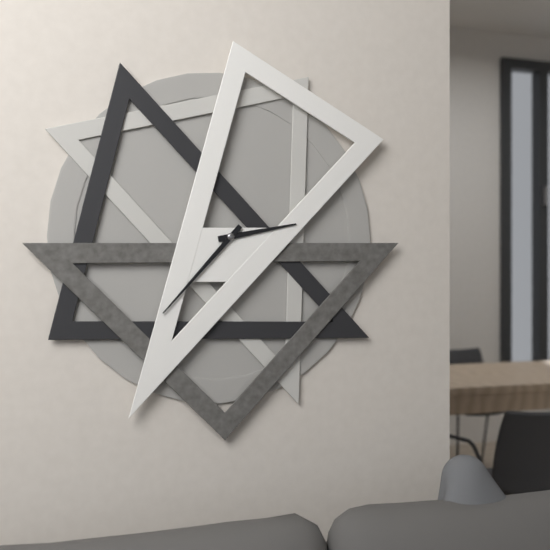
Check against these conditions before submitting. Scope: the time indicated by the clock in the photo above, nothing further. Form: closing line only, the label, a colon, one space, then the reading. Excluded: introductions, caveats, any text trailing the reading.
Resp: 2:37
